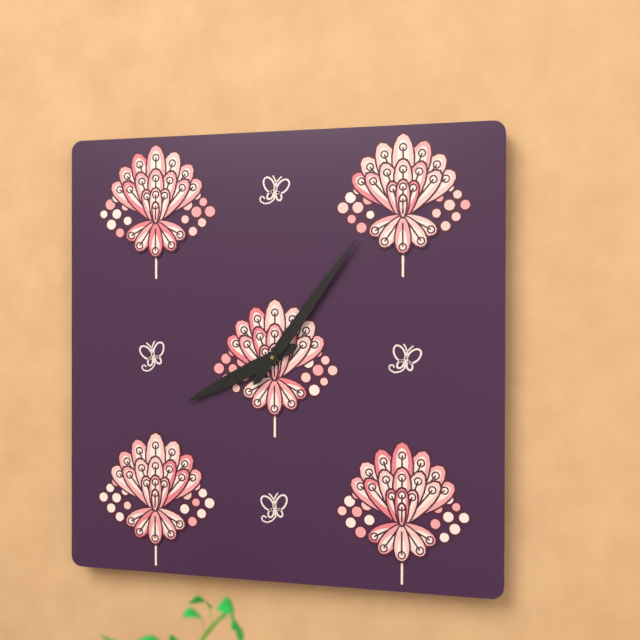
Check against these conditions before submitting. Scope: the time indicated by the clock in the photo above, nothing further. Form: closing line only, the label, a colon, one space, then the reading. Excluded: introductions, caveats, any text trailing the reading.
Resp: 8:06
